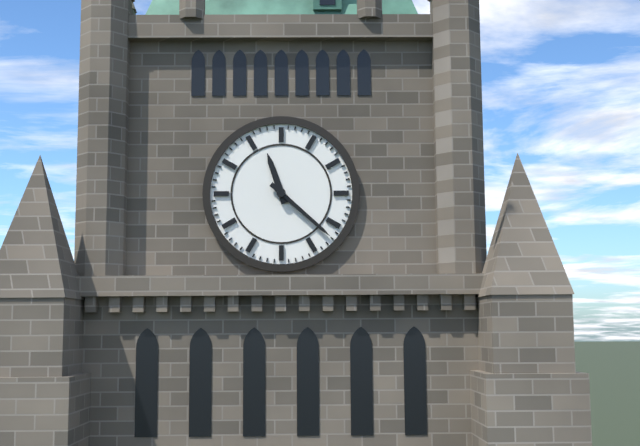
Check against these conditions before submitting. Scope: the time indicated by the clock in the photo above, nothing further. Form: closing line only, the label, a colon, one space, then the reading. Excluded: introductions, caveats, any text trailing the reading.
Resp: 11:22
